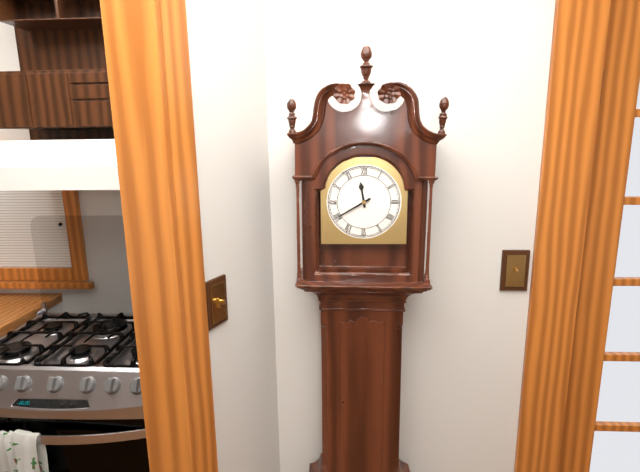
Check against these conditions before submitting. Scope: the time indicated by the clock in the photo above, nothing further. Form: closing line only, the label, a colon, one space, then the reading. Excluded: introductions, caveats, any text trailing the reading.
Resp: 11:40
